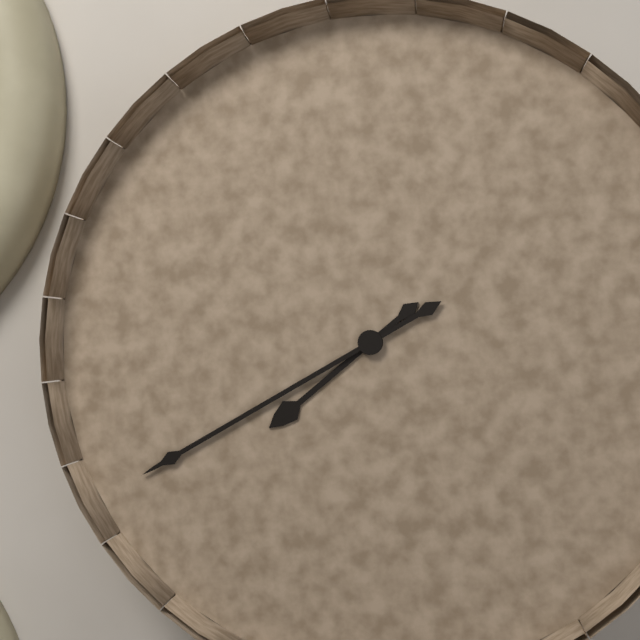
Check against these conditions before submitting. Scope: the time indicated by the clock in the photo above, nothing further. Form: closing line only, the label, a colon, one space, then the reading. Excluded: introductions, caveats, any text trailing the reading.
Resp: 7:40
